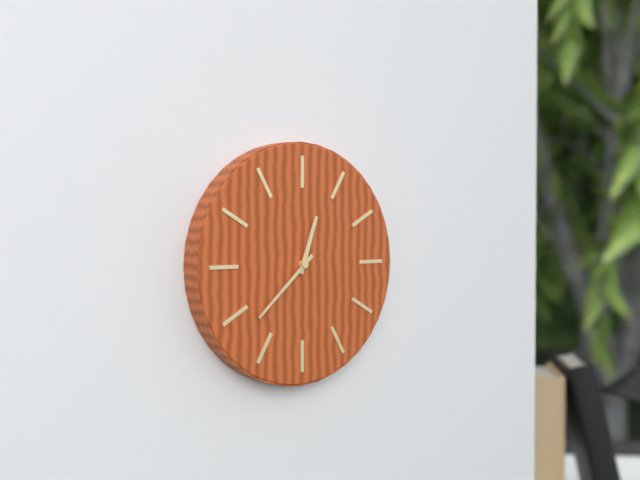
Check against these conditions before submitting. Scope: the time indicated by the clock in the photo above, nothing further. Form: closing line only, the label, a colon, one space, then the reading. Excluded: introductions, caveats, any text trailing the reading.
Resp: 12:38
